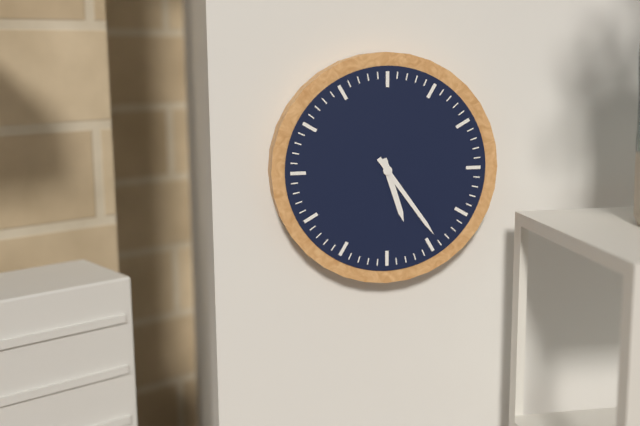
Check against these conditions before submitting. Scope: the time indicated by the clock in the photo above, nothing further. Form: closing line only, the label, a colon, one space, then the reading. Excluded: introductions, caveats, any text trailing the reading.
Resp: 5:24
